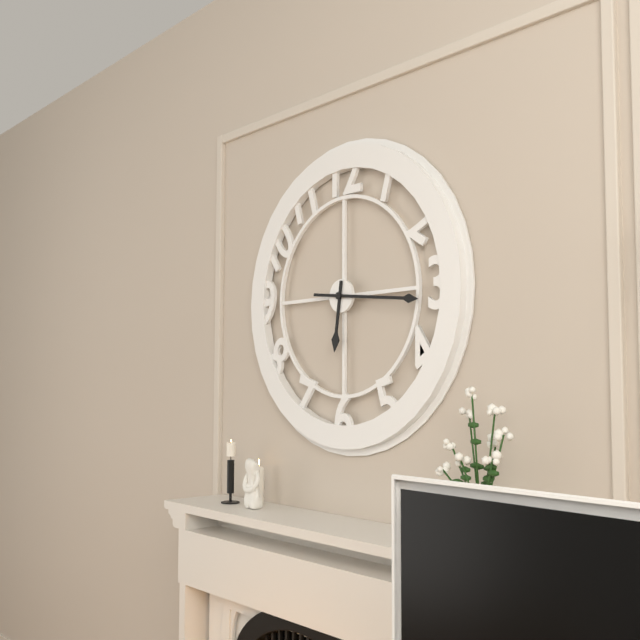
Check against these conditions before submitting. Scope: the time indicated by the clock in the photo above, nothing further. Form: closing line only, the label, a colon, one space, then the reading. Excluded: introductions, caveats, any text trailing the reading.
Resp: 6:16
